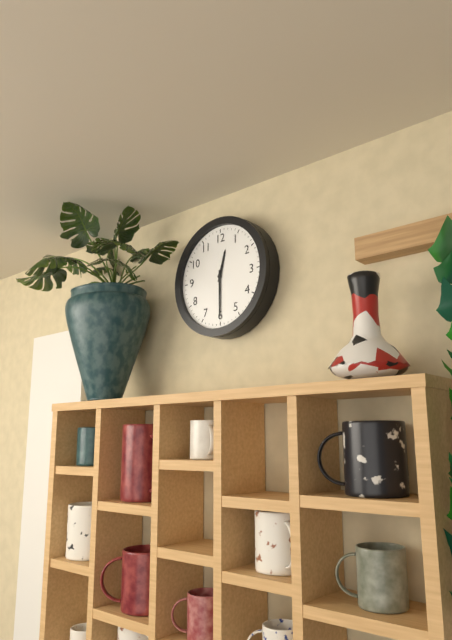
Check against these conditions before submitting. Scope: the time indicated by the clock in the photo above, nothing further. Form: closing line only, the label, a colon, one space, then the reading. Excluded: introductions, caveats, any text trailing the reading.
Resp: 12:30
